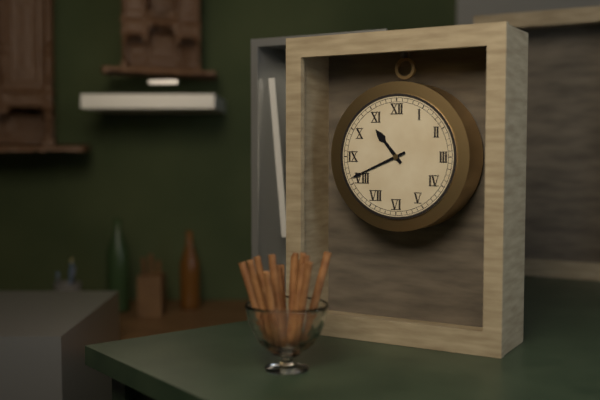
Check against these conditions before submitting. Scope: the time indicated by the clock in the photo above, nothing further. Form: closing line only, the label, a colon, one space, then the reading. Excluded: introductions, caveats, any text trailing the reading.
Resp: 10:41
